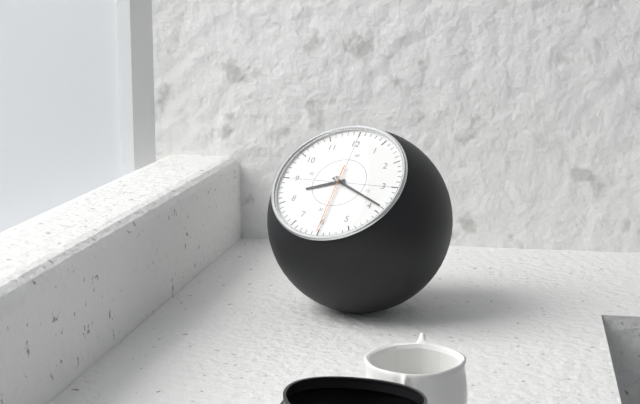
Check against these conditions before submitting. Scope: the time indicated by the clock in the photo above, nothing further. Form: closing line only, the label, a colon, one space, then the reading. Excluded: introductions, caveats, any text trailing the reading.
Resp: 8:19:30
